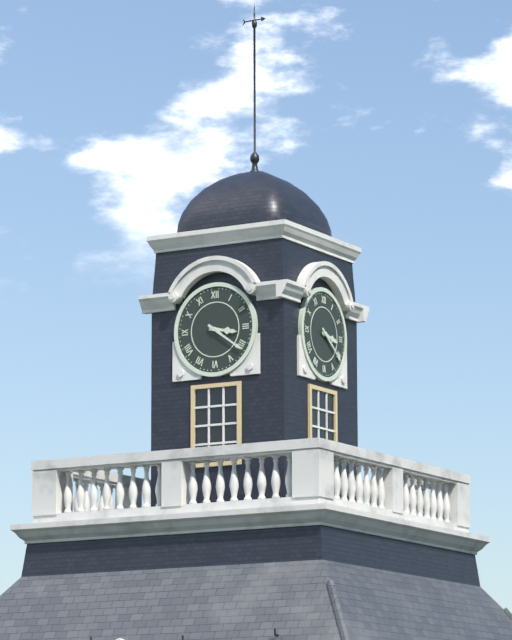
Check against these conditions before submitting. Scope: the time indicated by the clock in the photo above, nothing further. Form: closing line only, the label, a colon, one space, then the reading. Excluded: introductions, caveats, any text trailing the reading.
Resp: 3:21
